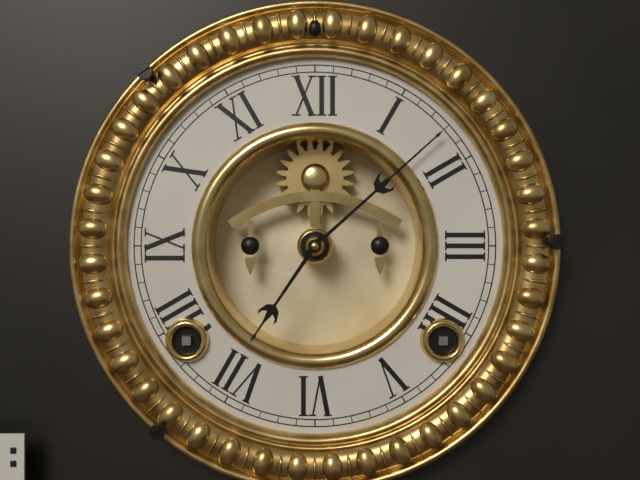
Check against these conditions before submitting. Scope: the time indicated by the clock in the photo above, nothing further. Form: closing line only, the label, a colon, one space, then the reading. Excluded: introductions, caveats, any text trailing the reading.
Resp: 7:08
